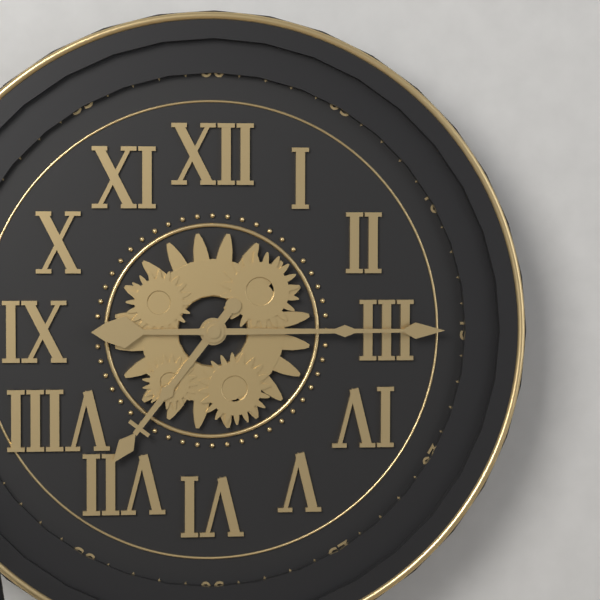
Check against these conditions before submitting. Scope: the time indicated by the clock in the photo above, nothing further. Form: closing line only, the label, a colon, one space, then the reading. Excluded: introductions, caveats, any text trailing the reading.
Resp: 7:15
